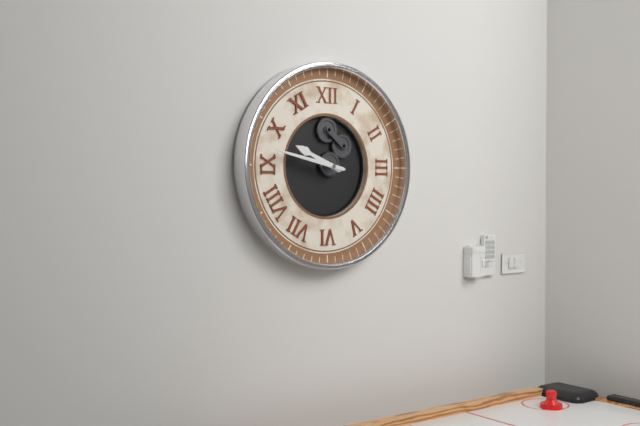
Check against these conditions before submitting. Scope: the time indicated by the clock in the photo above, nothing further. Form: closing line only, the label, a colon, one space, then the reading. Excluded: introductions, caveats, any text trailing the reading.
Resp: 9:47
